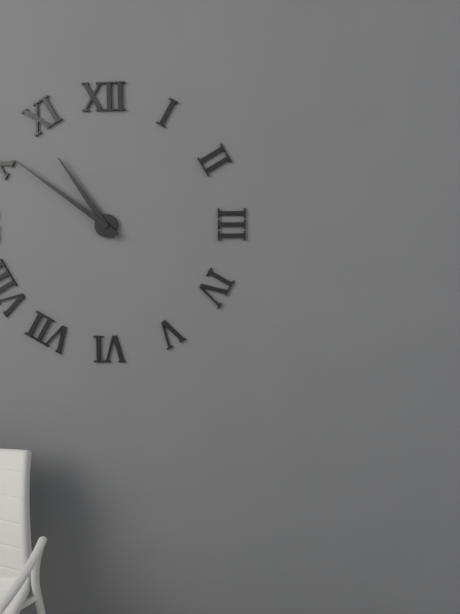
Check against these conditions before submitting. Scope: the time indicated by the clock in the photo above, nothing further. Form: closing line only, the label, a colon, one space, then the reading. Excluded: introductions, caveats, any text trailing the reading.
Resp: 10:51
